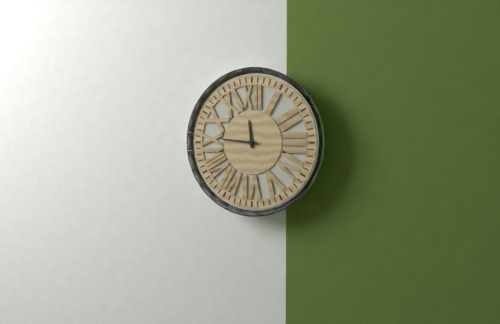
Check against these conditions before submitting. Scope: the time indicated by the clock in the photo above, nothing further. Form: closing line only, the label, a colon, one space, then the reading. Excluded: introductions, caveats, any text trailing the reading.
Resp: 11:46
